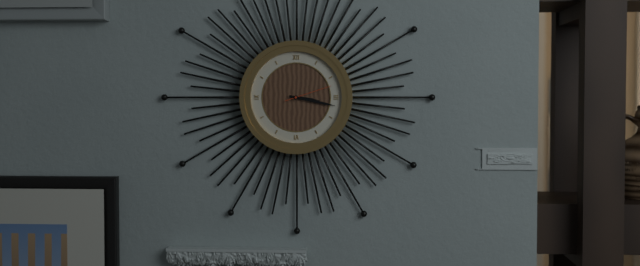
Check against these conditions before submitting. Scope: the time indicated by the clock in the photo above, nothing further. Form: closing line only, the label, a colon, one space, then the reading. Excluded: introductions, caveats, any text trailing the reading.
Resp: 3:17
